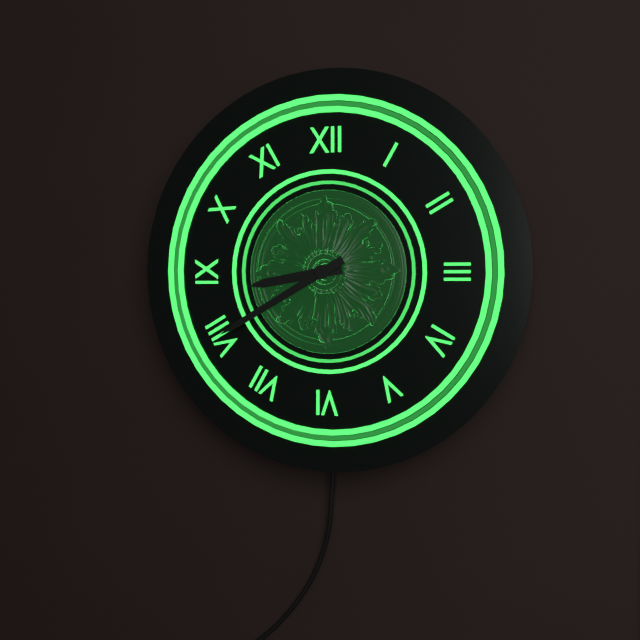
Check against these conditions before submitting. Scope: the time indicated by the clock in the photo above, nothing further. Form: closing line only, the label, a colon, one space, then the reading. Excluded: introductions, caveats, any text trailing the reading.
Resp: 8:40
